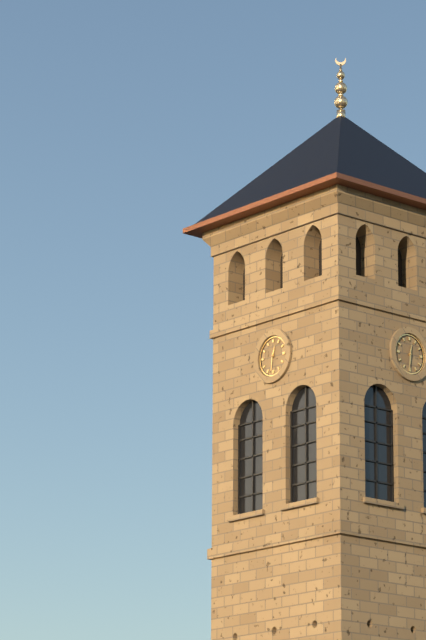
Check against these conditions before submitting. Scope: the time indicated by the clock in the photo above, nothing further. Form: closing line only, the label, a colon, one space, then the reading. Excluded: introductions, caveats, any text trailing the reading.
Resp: 12:31
